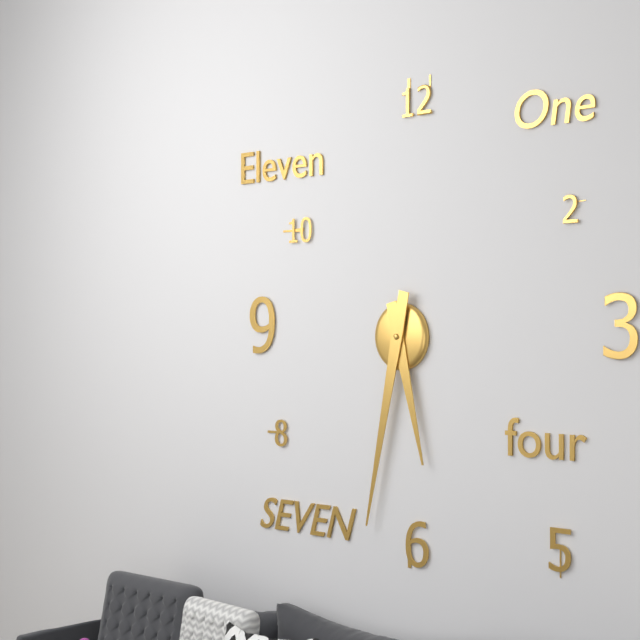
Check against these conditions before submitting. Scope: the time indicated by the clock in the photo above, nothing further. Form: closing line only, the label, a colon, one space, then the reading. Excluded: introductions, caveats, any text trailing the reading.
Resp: 5:32
